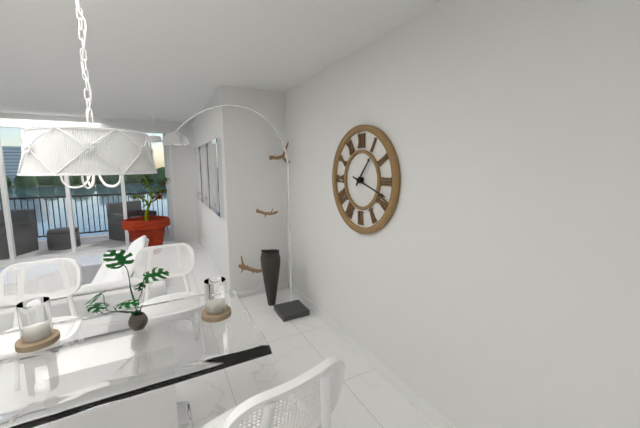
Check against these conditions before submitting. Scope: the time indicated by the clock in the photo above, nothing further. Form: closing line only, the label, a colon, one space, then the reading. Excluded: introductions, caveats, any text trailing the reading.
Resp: 1:18
